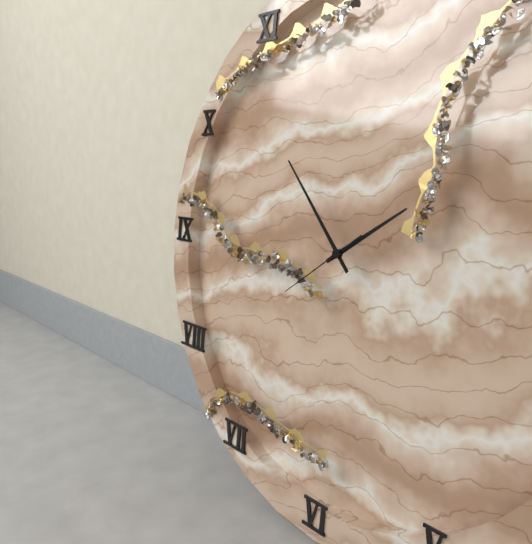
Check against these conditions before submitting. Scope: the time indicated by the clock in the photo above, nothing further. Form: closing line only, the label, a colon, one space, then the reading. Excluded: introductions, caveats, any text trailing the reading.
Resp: 1:53:39
